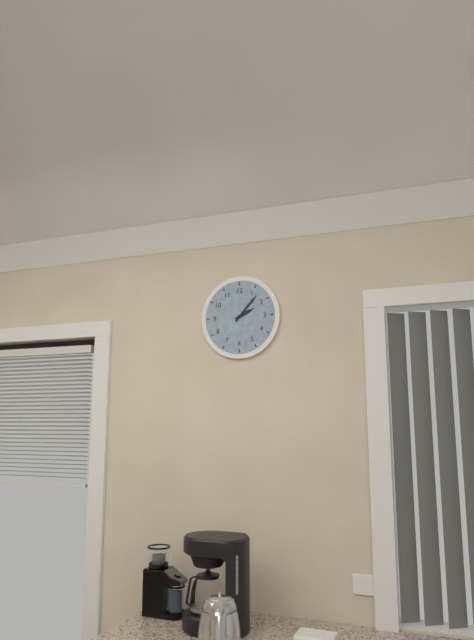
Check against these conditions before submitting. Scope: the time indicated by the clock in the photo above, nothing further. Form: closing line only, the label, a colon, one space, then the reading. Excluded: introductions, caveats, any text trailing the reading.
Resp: 2:07
